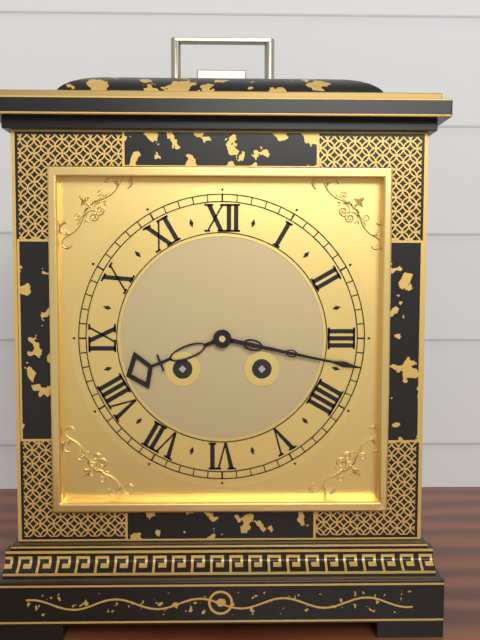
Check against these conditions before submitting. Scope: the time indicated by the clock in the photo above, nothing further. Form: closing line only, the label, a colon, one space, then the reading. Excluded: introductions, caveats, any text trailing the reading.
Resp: 8:17
